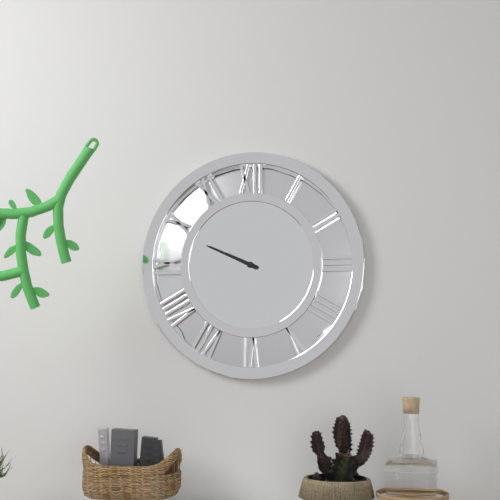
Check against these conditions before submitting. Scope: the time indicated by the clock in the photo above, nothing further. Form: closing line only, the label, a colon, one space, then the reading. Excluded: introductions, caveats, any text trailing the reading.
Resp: 9:49
